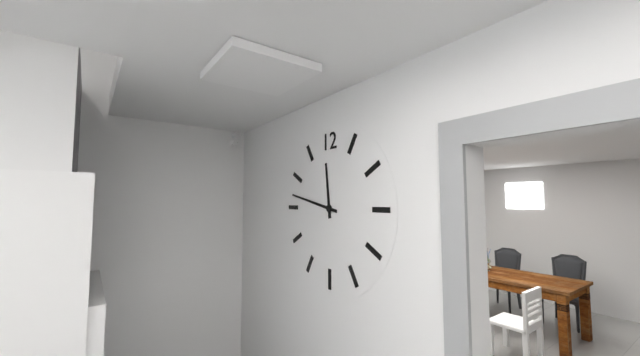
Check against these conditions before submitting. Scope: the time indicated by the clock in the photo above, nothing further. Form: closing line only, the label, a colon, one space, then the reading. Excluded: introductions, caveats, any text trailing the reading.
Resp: 11:47
